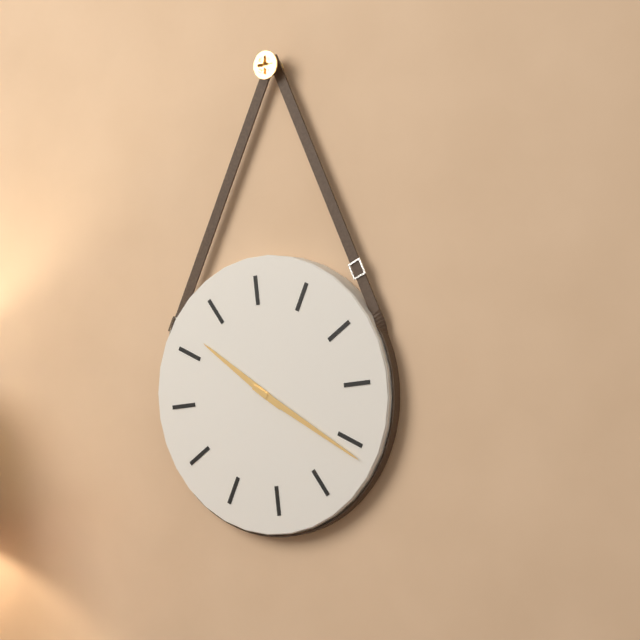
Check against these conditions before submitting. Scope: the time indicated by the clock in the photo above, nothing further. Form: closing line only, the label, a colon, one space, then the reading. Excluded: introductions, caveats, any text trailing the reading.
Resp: 10:21
